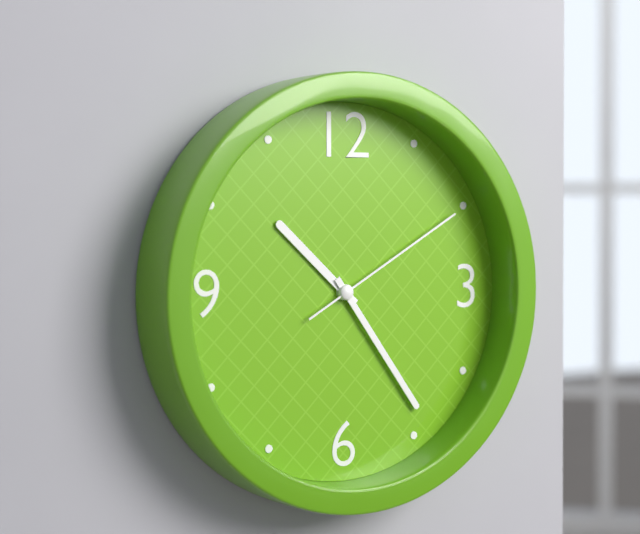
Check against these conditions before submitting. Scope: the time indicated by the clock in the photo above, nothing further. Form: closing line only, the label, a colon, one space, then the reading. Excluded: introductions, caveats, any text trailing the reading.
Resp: 10:24:10
